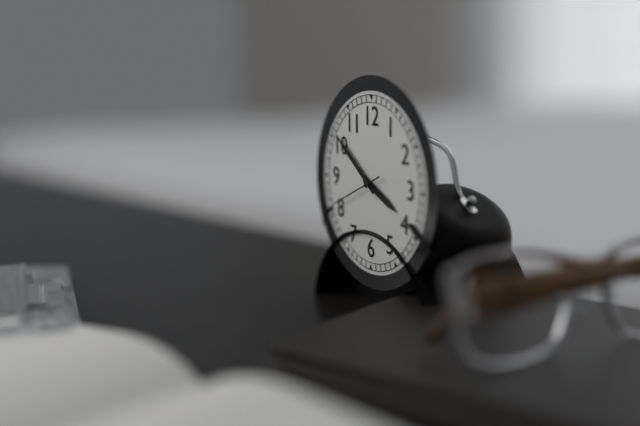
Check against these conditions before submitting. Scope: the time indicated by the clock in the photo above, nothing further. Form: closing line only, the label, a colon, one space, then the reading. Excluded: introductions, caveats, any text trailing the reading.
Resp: 3:51:41
